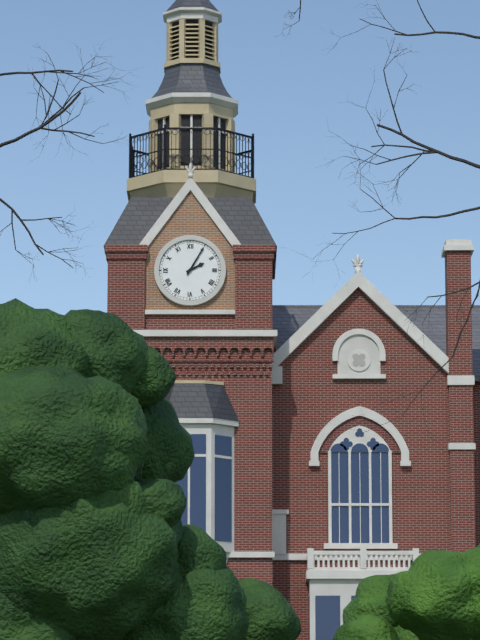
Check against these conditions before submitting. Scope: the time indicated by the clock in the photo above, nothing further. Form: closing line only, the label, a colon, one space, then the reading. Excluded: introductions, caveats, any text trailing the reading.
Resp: 2:05
